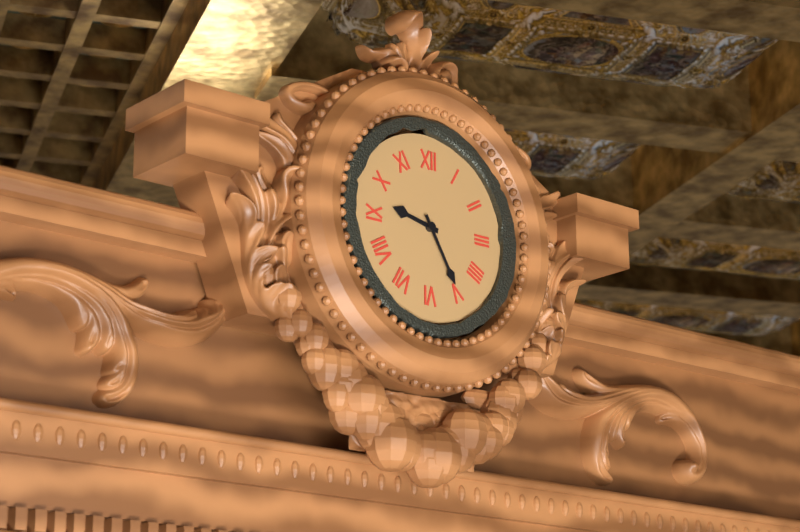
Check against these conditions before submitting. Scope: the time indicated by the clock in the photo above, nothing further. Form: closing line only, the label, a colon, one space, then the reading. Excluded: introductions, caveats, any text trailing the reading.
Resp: 9:25
